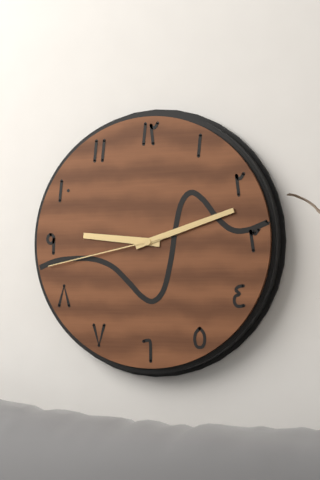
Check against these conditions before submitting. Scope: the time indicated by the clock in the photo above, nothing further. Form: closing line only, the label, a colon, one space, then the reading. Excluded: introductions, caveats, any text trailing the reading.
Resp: 9:12:43
